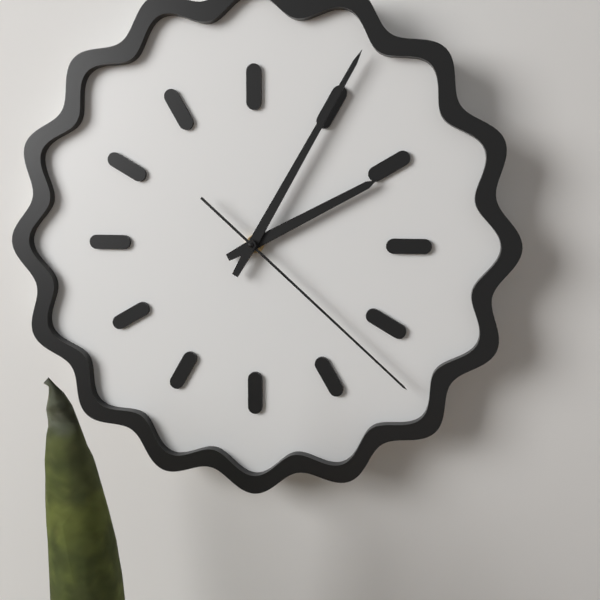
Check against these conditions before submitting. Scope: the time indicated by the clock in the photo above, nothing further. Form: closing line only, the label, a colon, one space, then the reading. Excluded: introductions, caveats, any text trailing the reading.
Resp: 2:05:22
